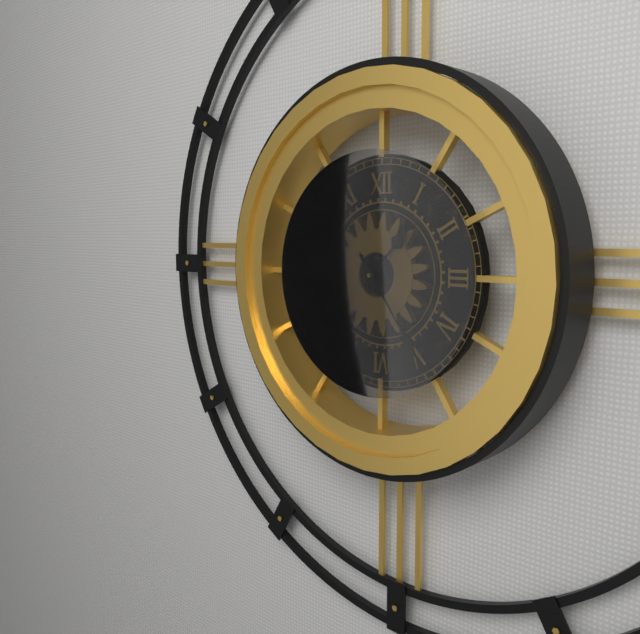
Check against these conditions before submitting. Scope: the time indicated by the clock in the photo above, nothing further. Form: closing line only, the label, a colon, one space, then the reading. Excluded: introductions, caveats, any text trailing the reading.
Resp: 1:24
